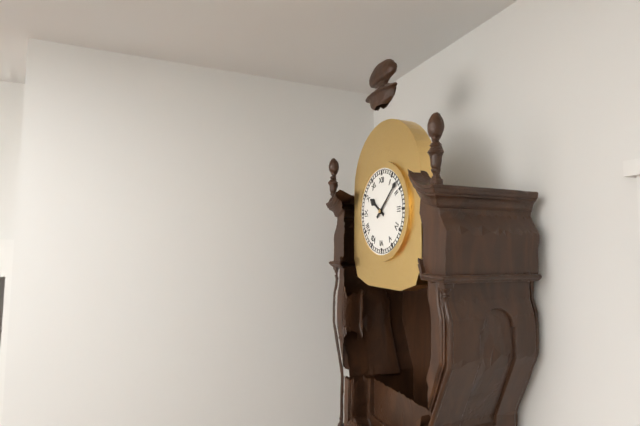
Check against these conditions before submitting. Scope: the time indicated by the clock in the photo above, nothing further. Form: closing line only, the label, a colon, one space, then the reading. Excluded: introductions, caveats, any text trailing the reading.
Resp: 10:08
